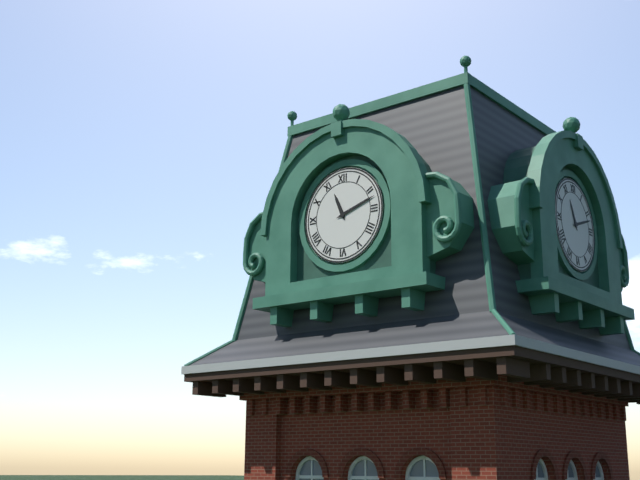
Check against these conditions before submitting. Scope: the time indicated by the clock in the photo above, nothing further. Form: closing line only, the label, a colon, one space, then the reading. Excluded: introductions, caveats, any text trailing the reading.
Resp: 11:12
